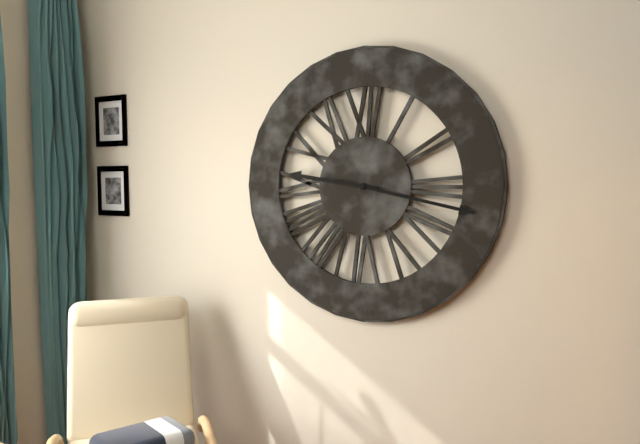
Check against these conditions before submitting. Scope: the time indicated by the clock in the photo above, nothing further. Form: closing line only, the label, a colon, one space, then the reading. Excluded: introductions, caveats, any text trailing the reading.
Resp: 9:17
